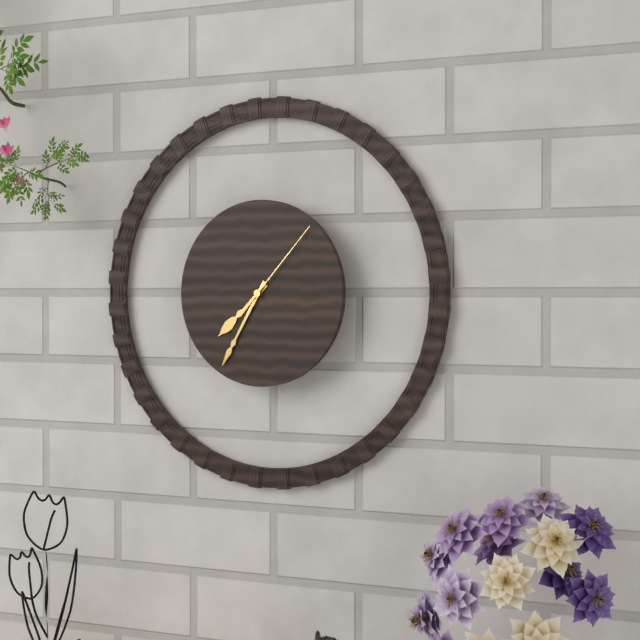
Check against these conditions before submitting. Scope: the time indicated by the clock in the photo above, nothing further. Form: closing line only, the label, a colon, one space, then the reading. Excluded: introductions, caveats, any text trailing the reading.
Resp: 7:35:07
